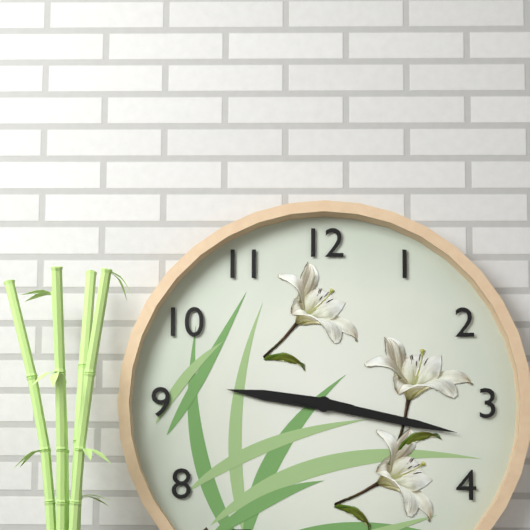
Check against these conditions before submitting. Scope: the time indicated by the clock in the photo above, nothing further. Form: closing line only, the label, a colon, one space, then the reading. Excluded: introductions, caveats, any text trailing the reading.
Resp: 9:17
